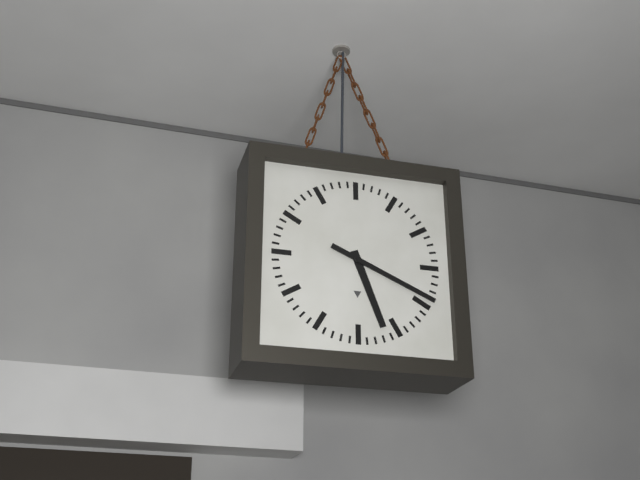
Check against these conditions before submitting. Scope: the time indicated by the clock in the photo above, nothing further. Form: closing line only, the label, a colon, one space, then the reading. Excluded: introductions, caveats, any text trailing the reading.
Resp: 5:19
